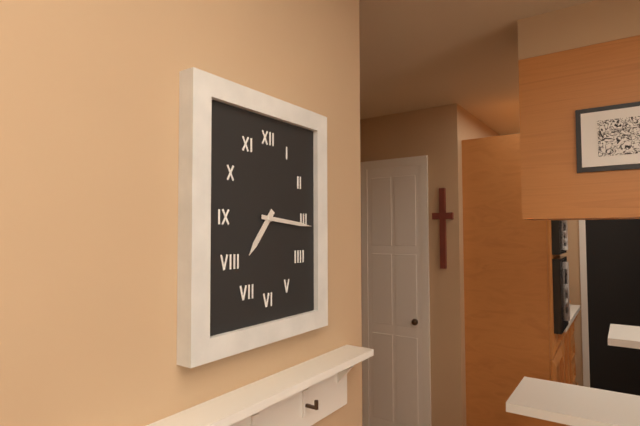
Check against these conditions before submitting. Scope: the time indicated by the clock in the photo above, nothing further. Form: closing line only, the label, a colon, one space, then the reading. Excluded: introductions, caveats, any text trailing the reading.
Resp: 7:16
